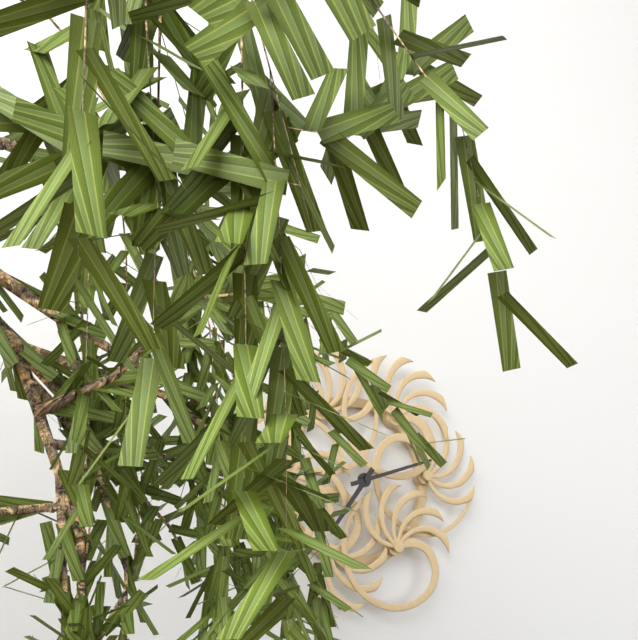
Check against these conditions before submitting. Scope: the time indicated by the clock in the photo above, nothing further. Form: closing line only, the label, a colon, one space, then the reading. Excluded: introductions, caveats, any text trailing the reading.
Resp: 7:12
